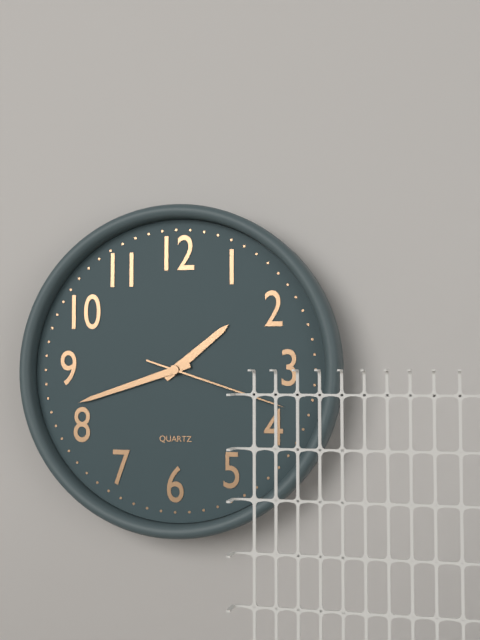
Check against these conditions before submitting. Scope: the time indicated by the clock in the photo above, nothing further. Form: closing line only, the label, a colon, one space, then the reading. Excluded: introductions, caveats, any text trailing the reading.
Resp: 1:42:18
